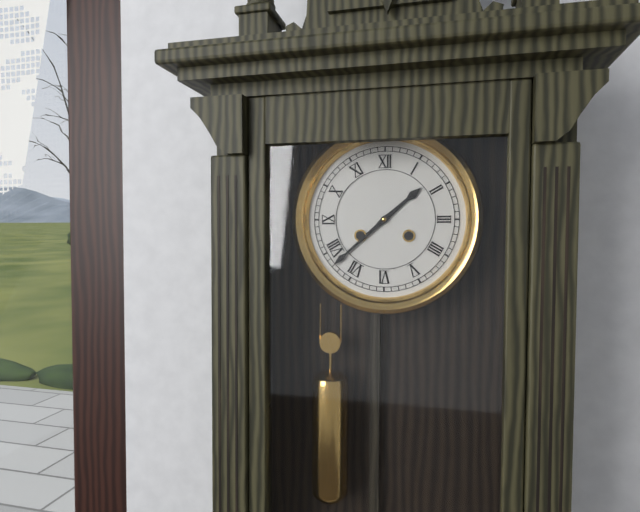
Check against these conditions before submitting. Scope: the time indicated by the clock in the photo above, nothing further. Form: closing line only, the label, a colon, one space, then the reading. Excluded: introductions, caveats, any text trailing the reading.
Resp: 1:38
